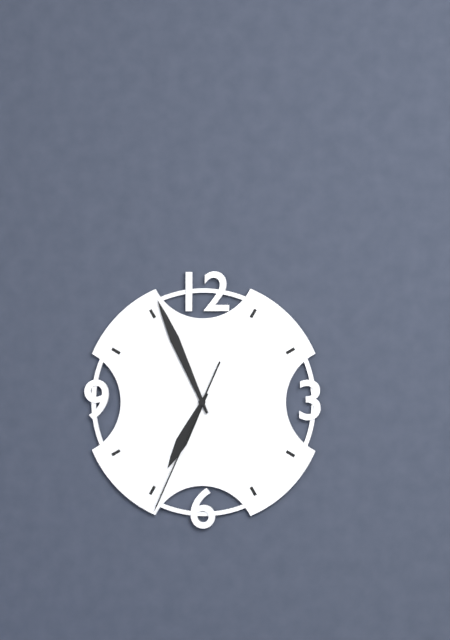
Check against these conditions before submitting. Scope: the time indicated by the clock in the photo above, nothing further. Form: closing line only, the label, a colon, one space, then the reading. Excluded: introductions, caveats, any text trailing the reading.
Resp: 6:56:34
